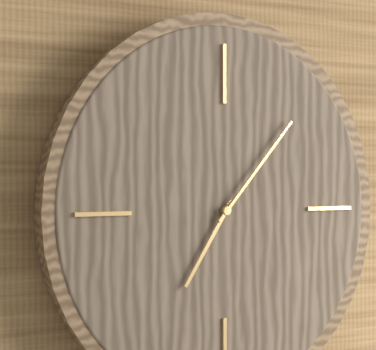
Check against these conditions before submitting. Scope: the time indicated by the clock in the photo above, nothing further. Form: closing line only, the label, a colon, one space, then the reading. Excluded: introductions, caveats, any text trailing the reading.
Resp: 7:07
